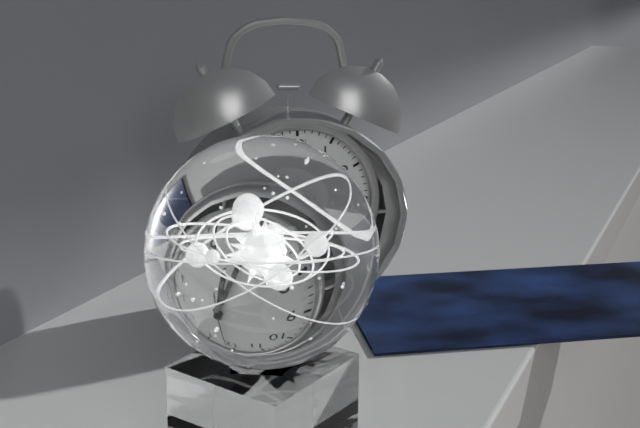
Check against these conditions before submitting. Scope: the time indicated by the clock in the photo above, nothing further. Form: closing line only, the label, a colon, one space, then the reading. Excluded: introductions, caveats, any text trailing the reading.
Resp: 6:35:01
